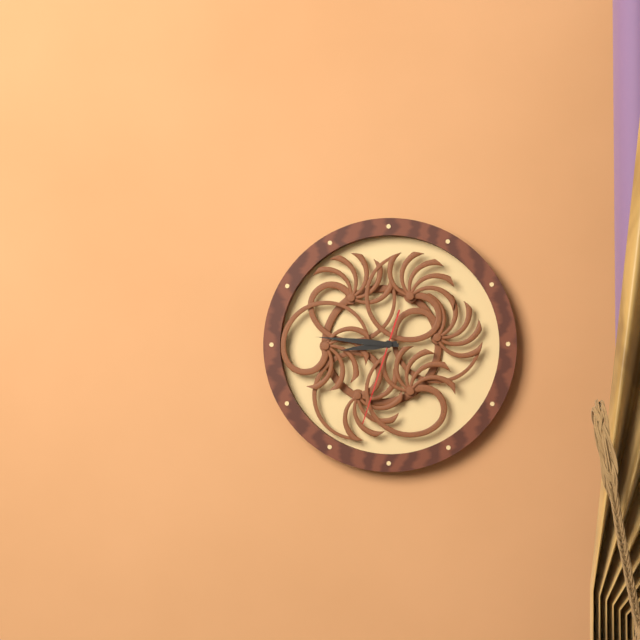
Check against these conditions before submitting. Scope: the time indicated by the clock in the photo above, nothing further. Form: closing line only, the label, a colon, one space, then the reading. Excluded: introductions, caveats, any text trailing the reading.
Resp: 8:46:33
